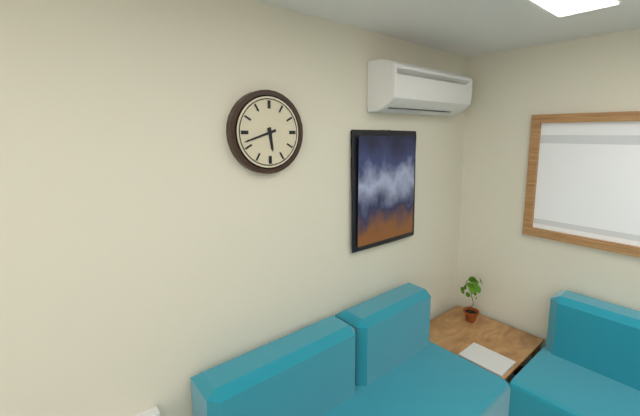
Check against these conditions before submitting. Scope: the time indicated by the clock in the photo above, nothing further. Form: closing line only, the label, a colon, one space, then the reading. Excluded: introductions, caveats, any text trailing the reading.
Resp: 5:42
